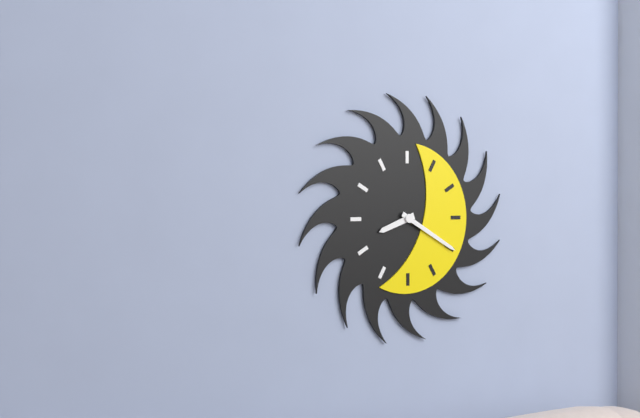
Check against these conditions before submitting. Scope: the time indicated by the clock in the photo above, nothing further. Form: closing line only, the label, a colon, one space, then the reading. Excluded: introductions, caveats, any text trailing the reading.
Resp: 8:20
